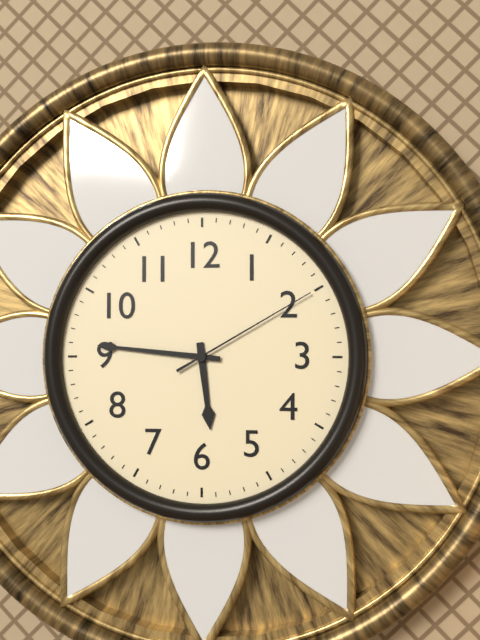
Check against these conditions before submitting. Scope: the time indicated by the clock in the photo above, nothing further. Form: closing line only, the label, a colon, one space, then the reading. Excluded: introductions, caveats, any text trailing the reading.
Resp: 5:46:10
